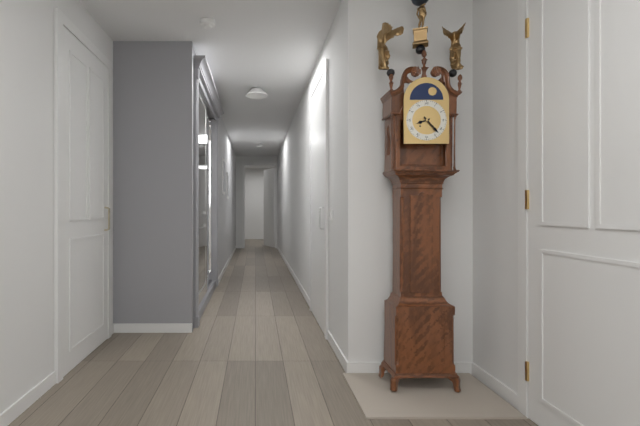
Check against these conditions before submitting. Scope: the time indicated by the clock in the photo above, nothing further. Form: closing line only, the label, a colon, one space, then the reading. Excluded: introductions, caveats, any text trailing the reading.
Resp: 8:23
